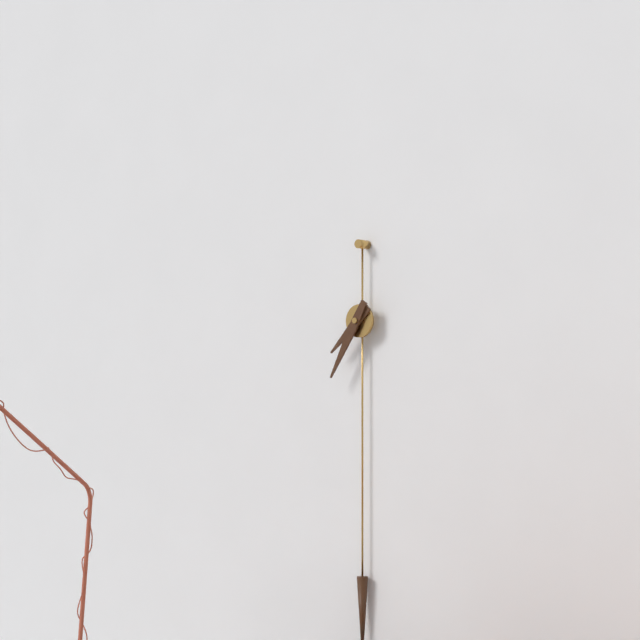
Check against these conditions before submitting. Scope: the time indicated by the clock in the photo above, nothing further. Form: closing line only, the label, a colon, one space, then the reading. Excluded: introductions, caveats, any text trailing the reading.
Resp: 7:35
